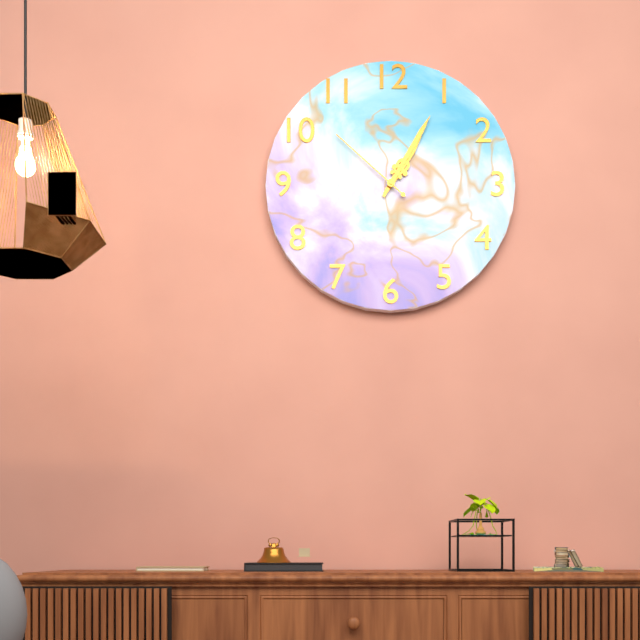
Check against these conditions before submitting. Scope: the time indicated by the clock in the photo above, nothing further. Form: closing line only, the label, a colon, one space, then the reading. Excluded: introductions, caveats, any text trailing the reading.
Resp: 1:05:52
